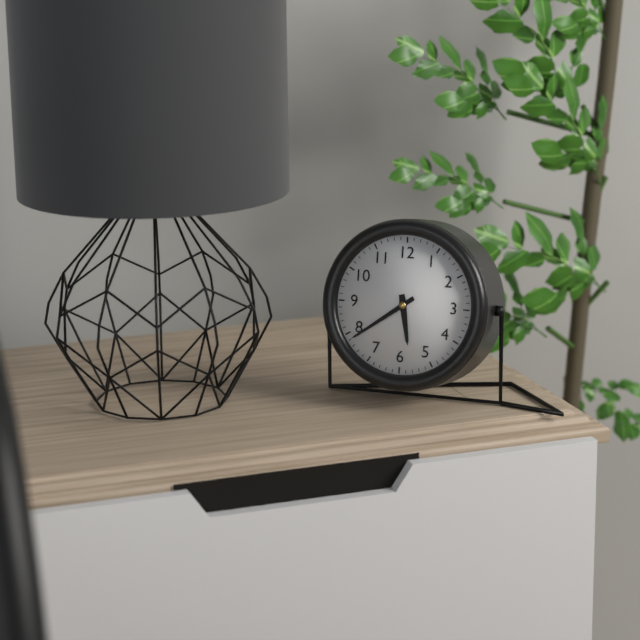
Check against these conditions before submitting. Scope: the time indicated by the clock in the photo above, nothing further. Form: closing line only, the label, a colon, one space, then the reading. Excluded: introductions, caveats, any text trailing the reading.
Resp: 5:39
